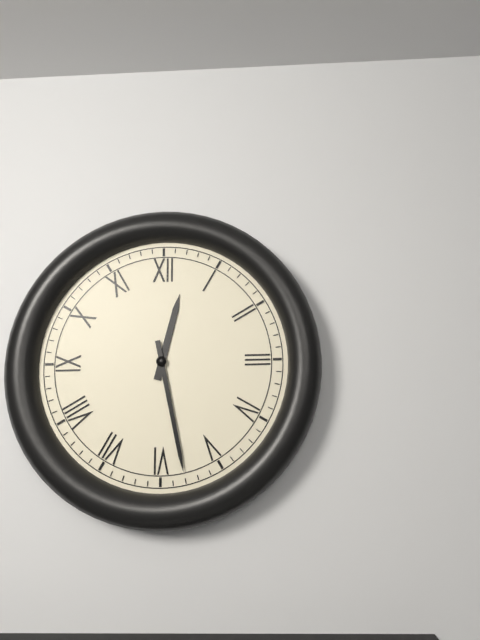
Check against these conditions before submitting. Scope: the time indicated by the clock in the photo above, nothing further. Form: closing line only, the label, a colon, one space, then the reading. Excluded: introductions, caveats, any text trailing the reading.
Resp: 12:28
